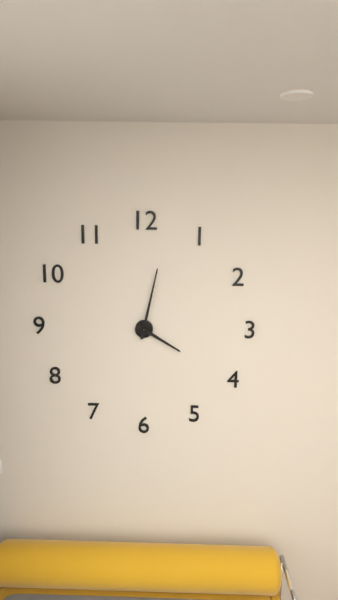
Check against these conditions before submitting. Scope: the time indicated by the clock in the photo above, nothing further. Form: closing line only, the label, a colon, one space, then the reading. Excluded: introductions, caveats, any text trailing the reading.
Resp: 4:02
